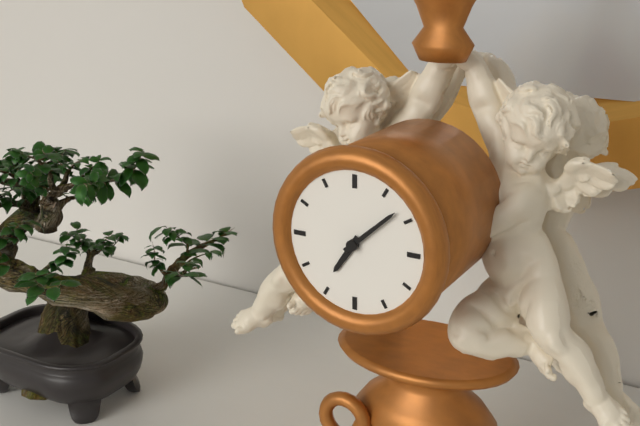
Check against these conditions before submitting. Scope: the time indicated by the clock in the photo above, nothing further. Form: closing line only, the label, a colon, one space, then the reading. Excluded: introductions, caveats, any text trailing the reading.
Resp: 7:08
